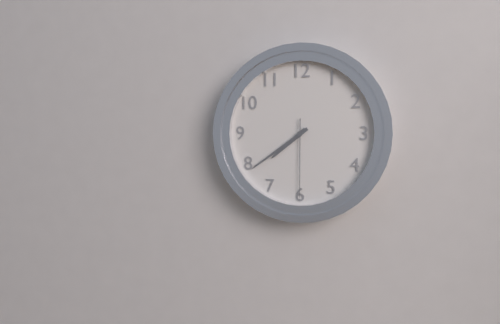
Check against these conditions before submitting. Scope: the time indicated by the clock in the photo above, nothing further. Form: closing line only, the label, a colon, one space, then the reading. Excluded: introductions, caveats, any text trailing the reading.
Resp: 7:39:30
